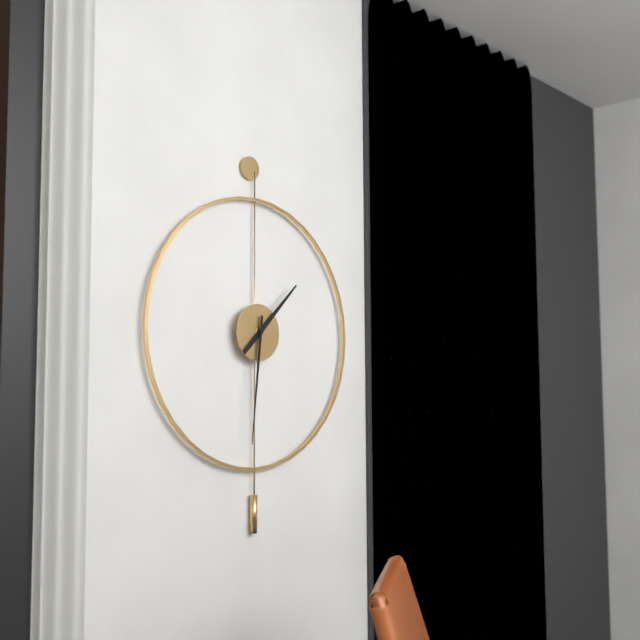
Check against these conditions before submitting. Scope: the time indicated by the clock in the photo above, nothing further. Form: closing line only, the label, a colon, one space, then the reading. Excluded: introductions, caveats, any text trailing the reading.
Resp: 1:31
